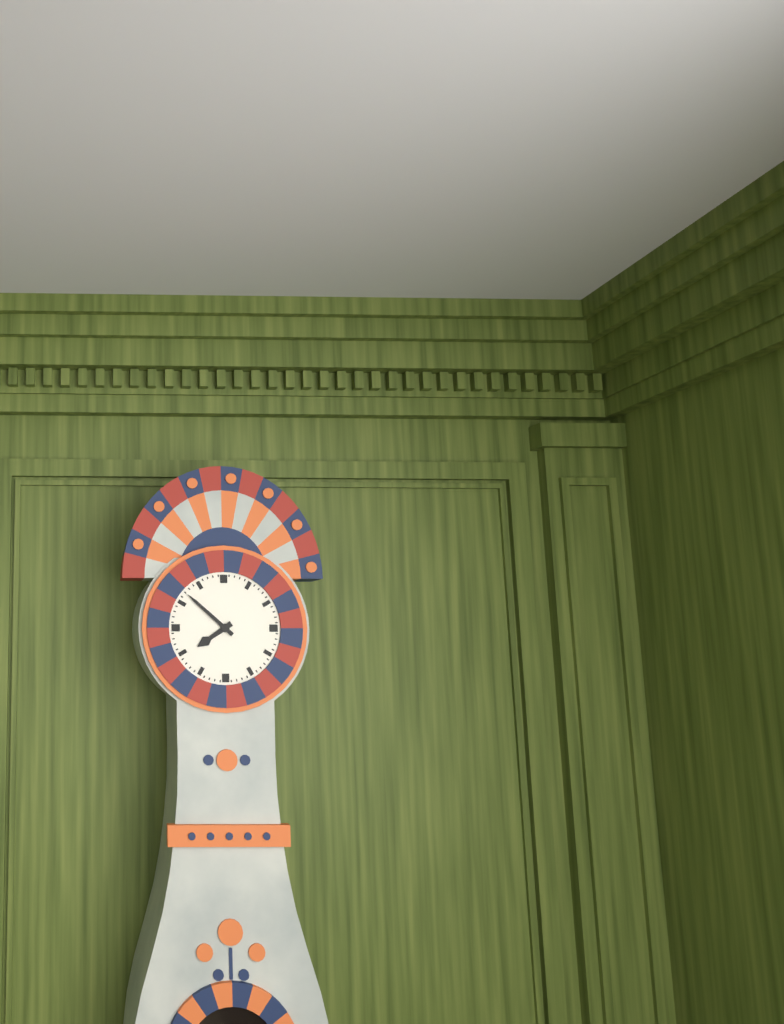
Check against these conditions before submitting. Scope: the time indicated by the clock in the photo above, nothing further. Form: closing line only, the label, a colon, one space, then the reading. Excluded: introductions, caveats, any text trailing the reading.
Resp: 7:52
